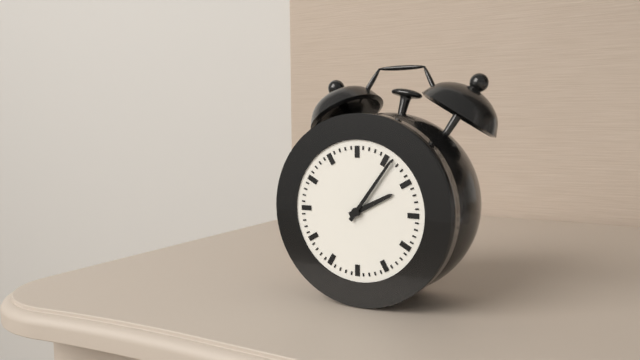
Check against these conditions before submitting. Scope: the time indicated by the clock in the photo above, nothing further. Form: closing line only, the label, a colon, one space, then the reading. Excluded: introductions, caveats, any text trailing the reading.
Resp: 2:06
